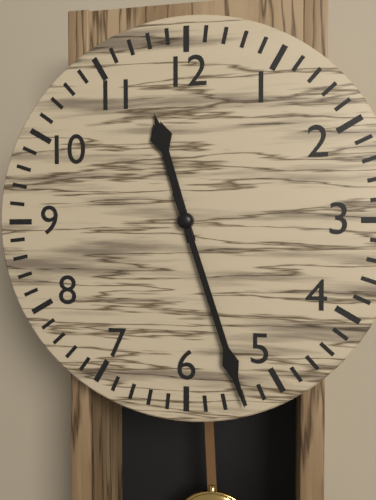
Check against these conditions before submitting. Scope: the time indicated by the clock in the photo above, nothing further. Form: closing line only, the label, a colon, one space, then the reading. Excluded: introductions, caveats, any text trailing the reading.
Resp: 11:27
